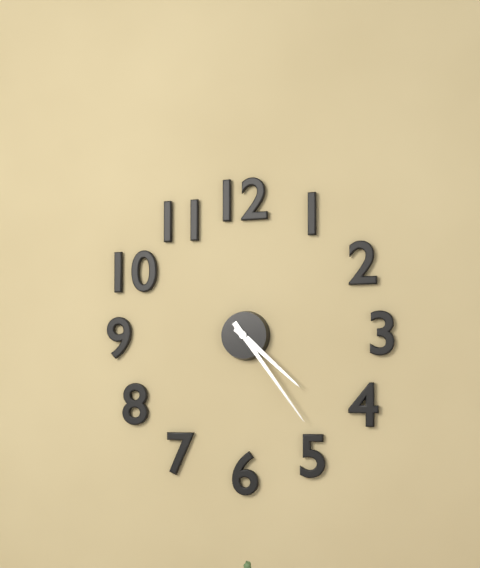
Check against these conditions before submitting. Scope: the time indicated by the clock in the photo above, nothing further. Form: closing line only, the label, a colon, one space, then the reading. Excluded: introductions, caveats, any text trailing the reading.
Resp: 4:24
